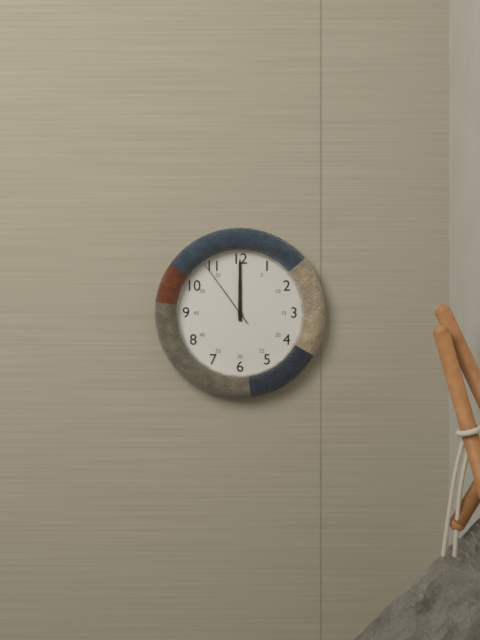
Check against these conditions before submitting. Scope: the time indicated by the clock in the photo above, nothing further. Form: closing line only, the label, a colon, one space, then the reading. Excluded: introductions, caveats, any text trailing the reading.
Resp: 12:00:54
